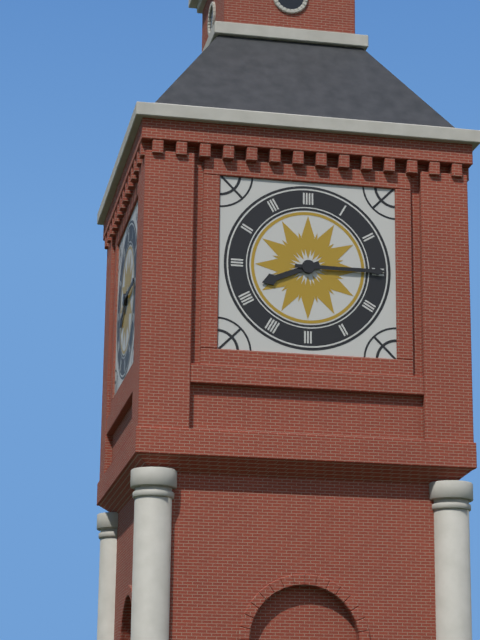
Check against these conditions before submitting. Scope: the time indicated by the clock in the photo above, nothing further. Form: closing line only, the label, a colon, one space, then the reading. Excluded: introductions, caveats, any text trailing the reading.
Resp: 8:15
